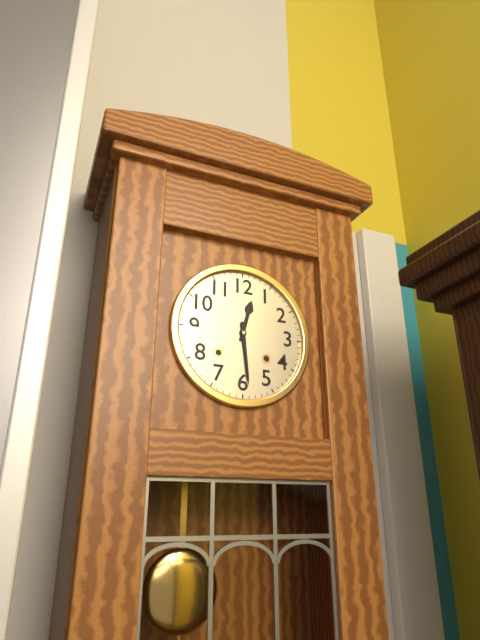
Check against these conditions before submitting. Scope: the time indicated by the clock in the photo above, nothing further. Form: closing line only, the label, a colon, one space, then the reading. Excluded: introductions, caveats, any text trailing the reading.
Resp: 12:29
